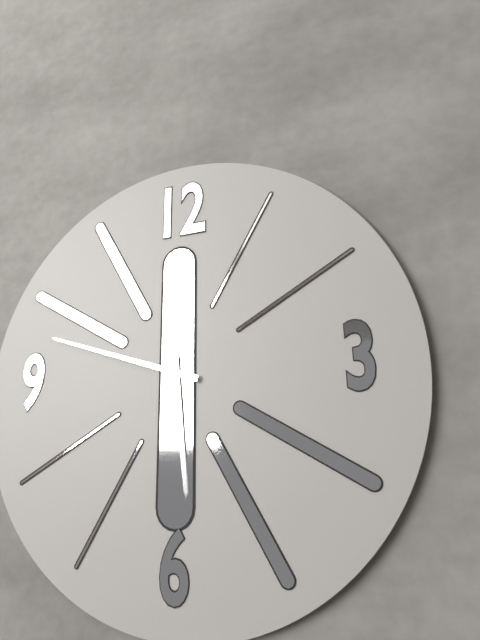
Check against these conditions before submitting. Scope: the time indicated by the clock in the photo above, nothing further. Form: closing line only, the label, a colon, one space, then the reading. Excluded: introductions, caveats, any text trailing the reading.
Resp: 5:48
